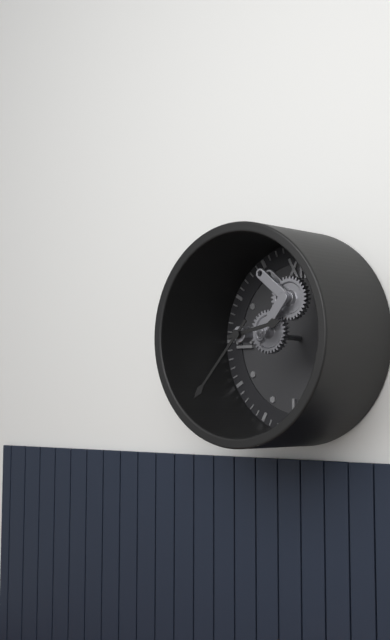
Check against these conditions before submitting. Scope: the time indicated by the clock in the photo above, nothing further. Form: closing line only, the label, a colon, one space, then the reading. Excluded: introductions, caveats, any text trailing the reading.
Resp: 2:37
